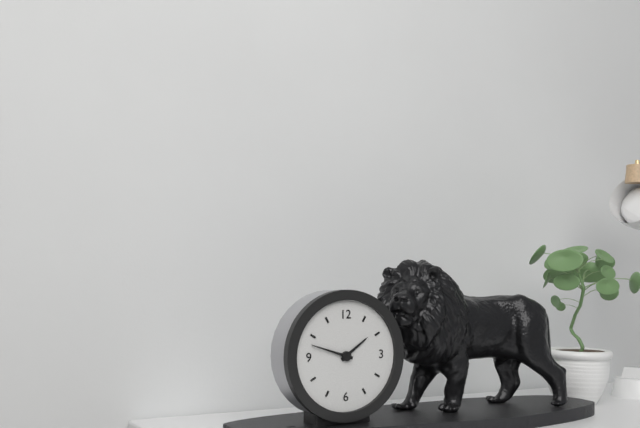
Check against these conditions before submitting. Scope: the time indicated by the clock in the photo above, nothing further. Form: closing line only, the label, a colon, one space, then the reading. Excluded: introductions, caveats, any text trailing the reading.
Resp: 1:48
